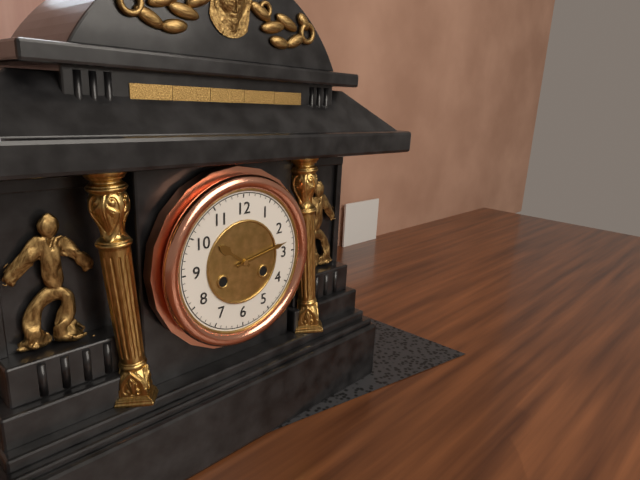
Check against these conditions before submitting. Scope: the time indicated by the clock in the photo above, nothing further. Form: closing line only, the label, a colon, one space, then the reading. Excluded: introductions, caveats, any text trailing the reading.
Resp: 10:13
